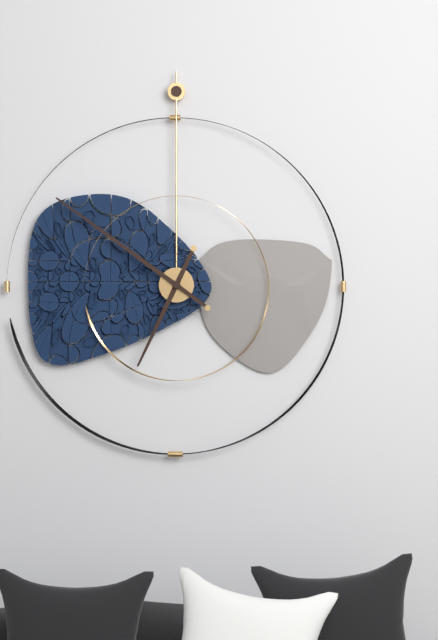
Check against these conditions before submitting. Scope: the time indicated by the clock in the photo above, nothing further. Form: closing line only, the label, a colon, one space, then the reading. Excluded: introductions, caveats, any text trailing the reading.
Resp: 6:51
